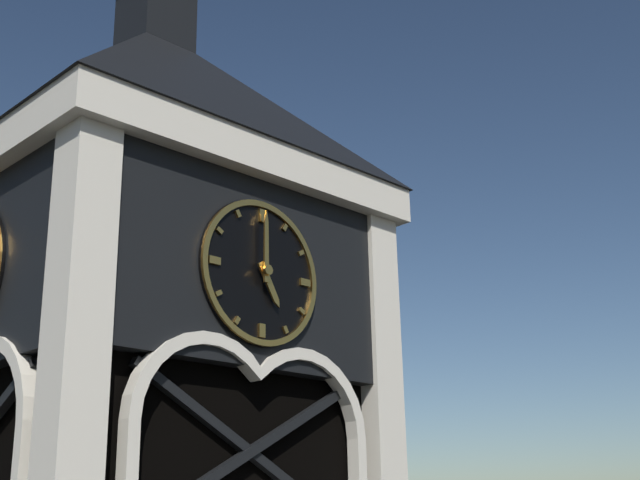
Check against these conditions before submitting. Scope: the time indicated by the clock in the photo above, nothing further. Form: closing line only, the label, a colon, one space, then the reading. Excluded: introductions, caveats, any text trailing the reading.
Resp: 5:00
